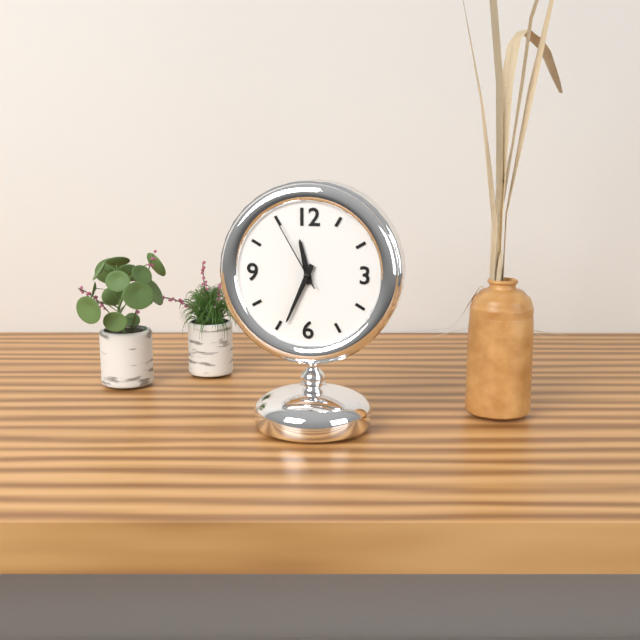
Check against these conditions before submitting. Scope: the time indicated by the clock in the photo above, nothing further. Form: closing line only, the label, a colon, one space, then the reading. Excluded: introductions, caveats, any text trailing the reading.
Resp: 11:34:55
